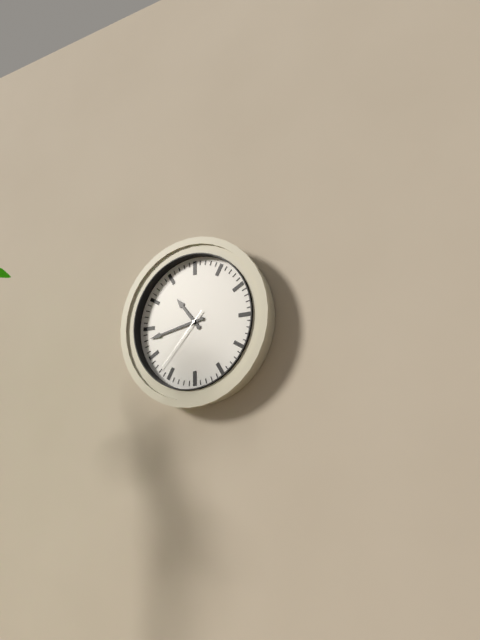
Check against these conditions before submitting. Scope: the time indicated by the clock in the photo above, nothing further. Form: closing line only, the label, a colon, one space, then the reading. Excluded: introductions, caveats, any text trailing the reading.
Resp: 10:43:37
